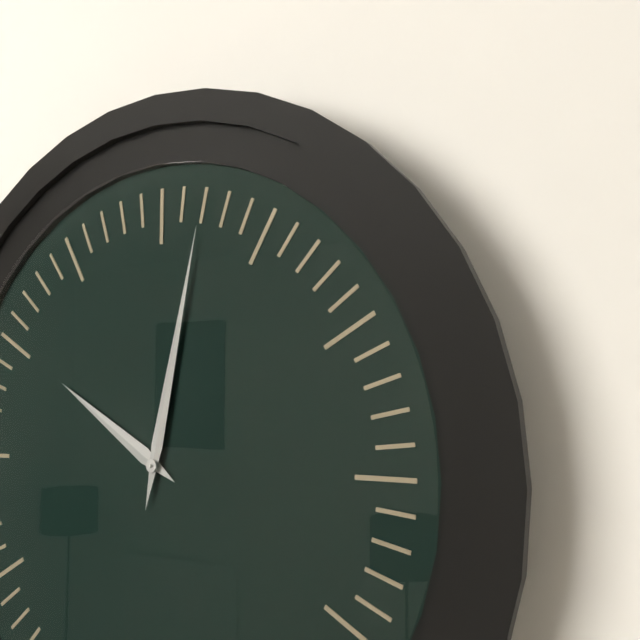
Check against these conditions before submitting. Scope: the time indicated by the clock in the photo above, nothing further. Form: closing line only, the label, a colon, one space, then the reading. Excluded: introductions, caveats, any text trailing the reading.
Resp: 10:02
